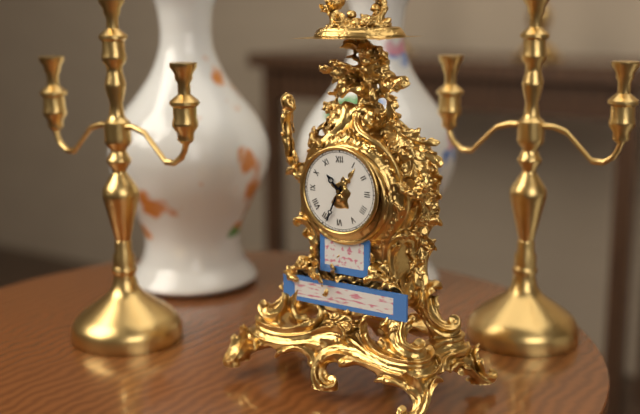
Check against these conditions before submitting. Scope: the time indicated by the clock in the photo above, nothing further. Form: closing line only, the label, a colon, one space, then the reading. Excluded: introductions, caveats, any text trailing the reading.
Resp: 10:34
